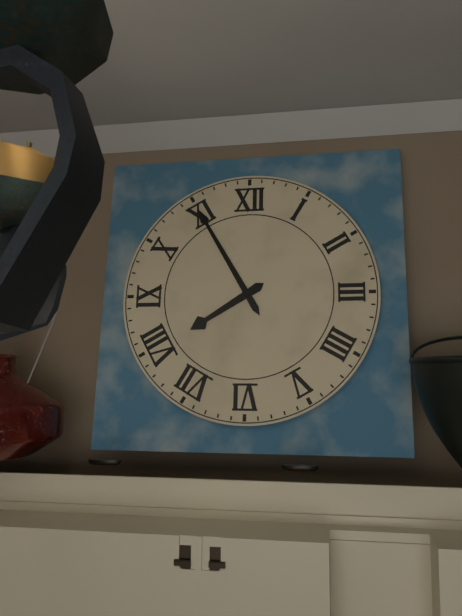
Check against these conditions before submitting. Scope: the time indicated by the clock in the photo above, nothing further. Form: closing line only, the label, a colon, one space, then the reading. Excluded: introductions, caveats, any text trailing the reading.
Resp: 7:55
